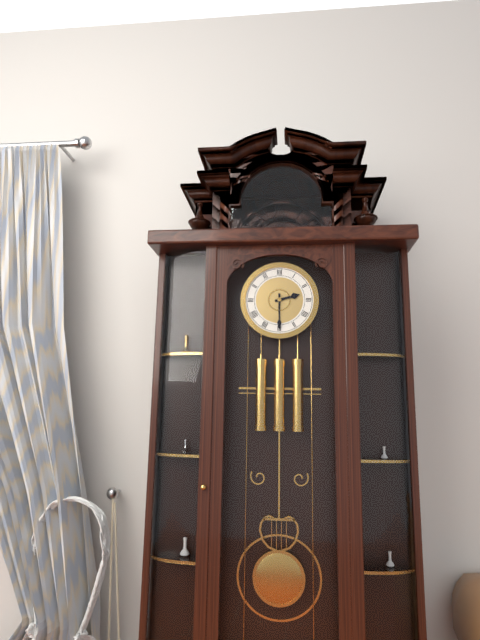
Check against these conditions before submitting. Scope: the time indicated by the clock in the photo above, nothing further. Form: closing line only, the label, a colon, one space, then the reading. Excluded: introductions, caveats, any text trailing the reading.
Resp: 2:30
